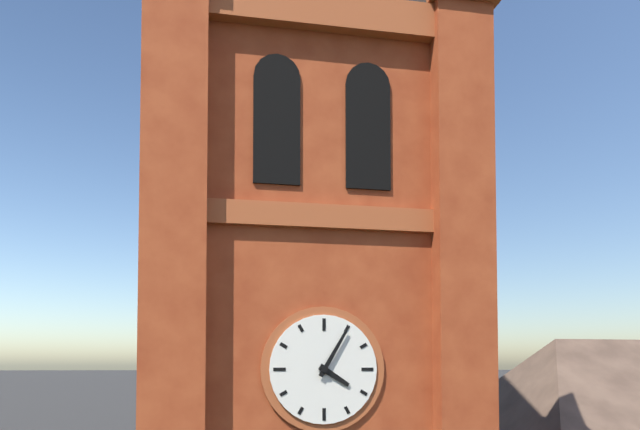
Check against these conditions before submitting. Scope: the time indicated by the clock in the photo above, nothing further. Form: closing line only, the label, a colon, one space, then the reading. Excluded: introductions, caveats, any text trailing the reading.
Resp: 4:05
